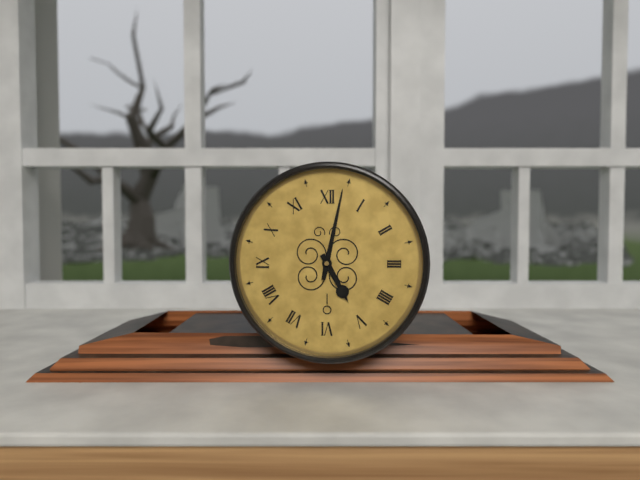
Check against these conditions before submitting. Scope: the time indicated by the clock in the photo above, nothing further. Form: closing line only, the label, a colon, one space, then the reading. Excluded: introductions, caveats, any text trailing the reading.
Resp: 5:02
